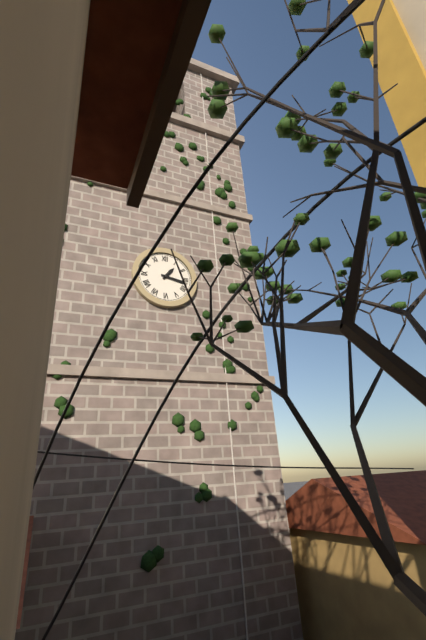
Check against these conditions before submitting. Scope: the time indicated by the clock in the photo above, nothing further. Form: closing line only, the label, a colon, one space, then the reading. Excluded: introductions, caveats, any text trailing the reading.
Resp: 1:17
